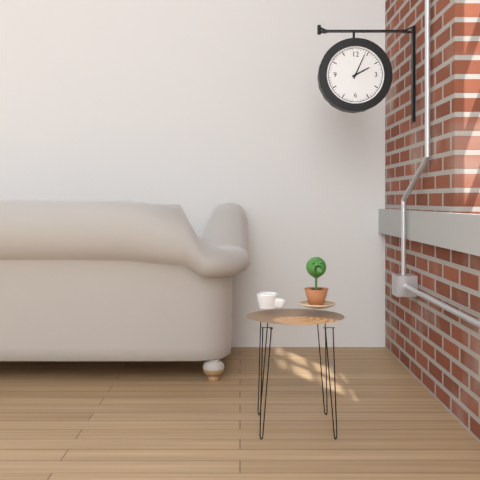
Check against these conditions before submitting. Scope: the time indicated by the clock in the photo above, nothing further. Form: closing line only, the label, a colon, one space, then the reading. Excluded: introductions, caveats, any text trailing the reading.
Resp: 2:04
